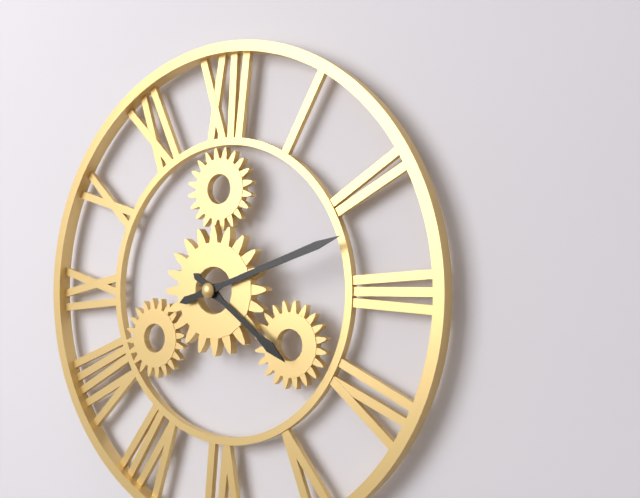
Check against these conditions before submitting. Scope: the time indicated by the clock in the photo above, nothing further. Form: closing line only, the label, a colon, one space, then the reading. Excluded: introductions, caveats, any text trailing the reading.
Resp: 4:12
